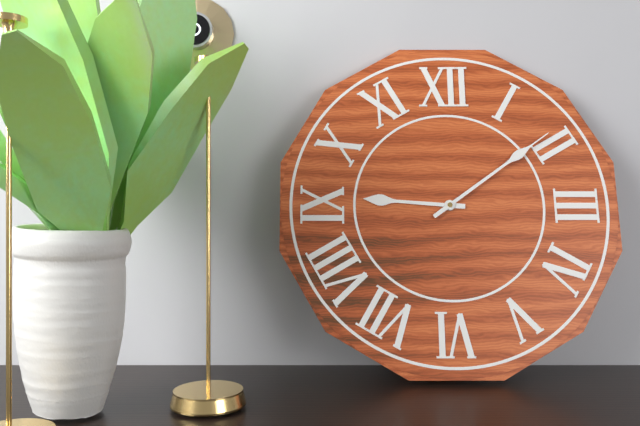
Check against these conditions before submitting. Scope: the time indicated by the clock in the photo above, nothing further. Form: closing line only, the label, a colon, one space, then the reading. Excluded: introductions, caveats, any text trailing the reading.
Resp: 9:09
